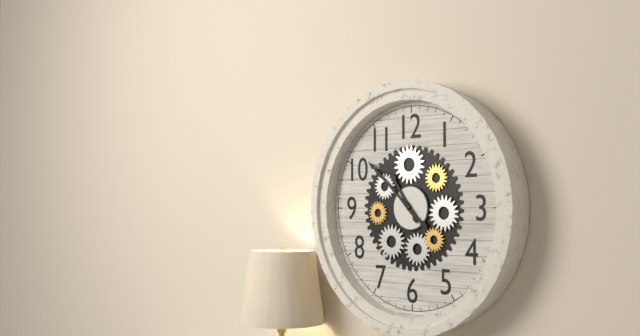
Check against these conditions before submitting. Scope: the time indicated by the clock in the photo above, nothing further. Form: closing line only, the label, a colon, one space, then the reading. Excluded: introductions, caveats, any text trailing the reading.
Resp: 10:52
